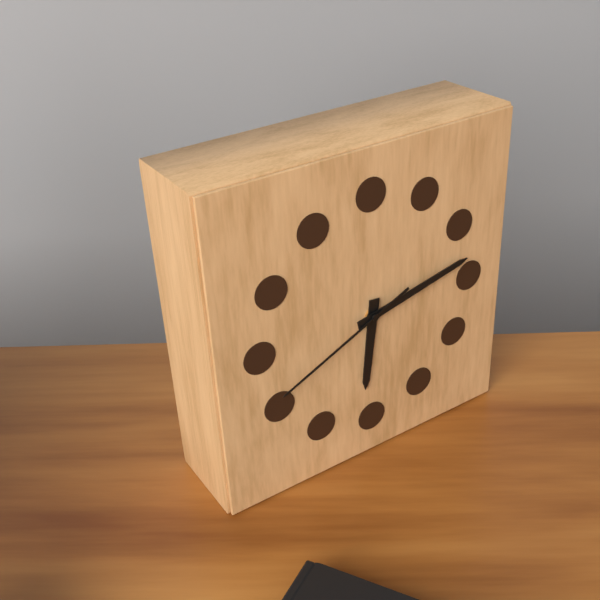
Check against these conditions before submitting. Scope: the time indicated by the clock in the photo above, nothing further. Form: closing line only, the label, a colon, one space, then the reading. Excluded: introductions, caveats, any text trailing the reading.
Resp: 6:13:41
